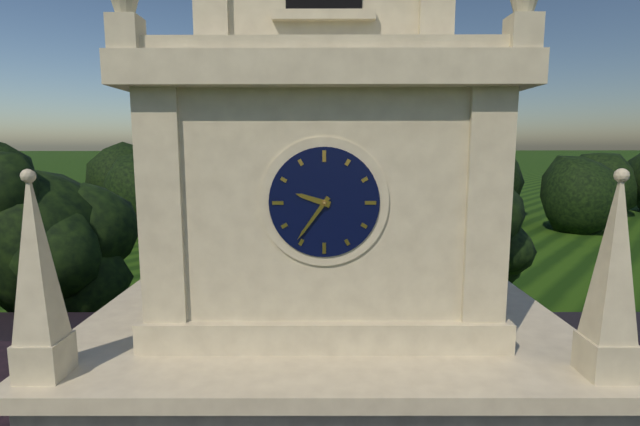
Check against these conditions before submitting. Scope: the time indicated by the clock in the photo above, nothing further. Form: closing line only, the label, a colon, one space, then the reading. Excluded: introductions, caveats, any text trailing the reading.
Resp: 9:36
